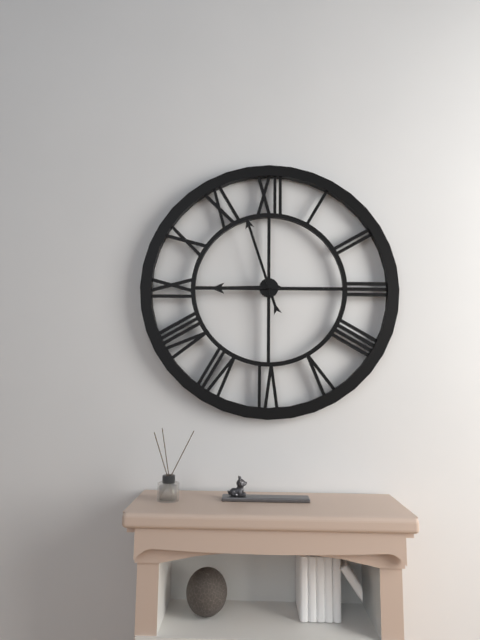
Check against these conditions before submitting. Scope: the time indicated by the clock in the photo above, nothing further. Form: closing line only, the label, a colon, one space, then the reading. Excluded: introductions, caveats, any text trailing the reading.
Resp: 8:57
